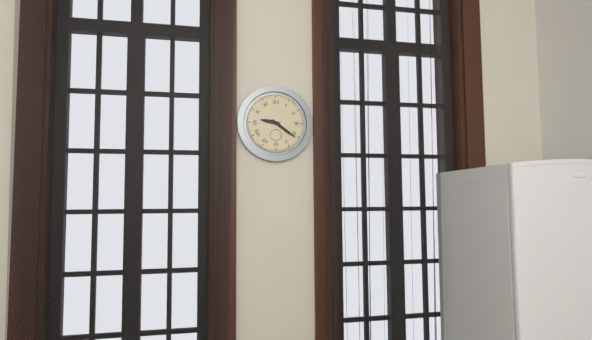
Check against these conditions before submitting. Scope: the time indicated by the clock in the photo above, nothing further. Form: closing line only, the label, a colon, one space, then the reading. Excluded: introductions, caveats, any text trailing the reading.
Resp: 9:21
